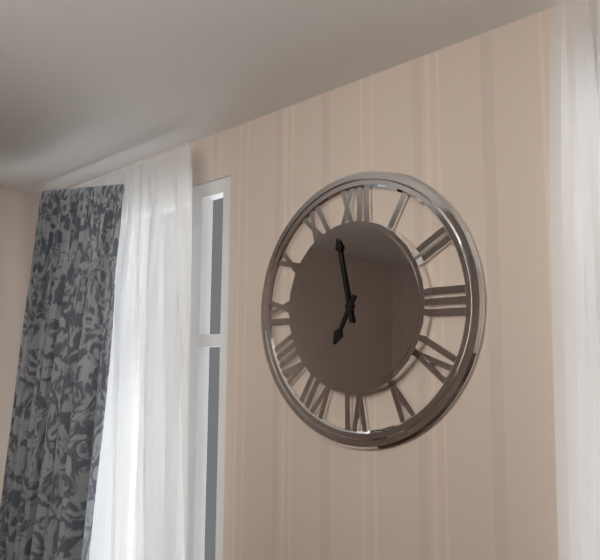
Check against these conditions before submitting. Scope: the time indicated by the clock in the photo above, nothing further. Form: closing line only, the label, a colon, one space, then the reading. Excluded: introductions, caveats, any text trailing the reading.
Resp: 6:58
